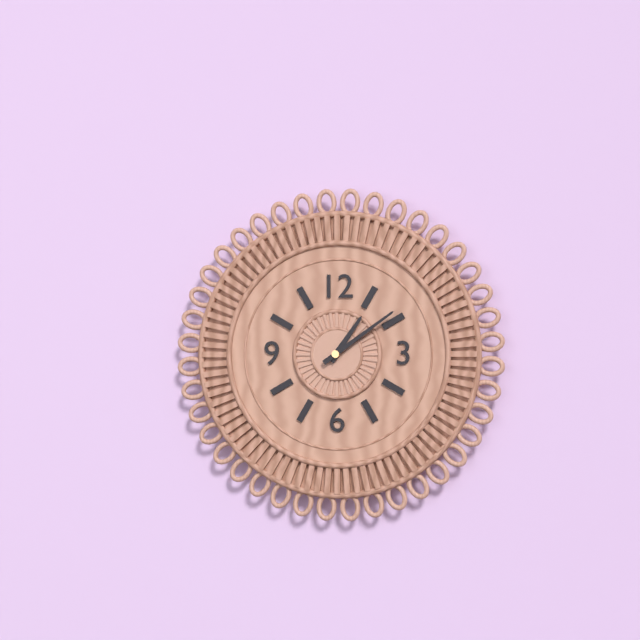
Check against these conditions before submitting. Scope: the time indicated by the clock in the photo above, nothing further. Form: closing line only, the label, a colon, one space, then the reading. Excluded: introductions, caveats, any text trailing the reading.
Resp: 1:09
